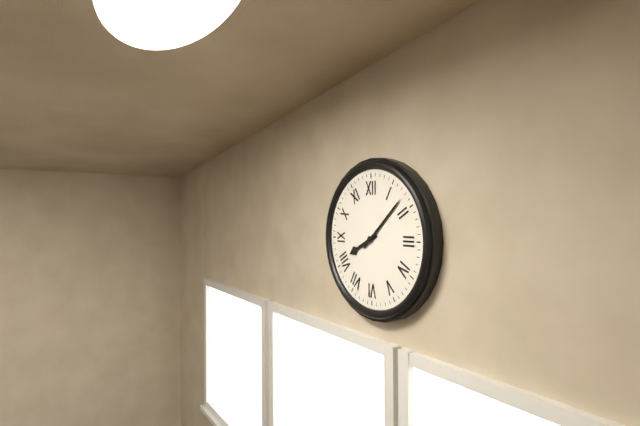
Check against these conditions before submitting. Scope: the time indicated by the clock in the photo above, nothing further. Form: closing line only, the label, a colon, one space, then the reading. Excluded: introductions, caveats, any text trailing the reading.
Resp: 8:08
